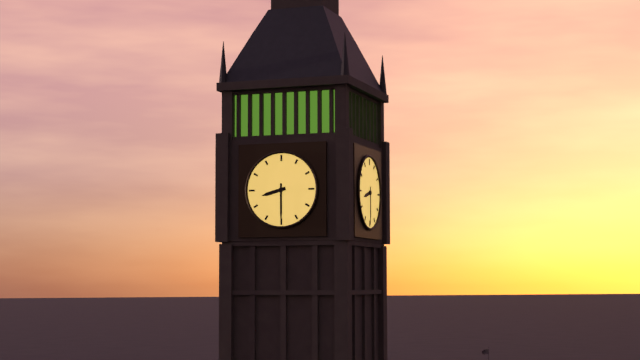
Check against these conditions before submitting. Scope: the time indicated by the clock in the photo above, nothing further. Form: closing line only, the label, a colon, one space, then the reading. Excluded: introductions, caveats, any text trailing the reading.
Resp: 8:30
